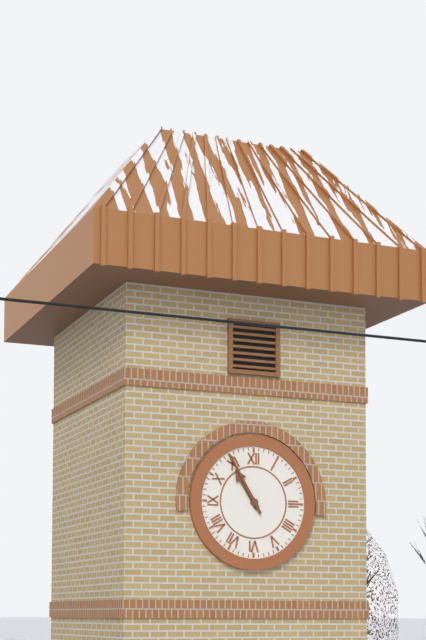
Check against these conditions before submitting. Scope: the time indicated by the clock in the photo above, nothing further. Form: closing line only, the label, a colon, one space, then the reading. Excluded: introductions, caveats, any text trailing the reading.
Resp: 10:55
